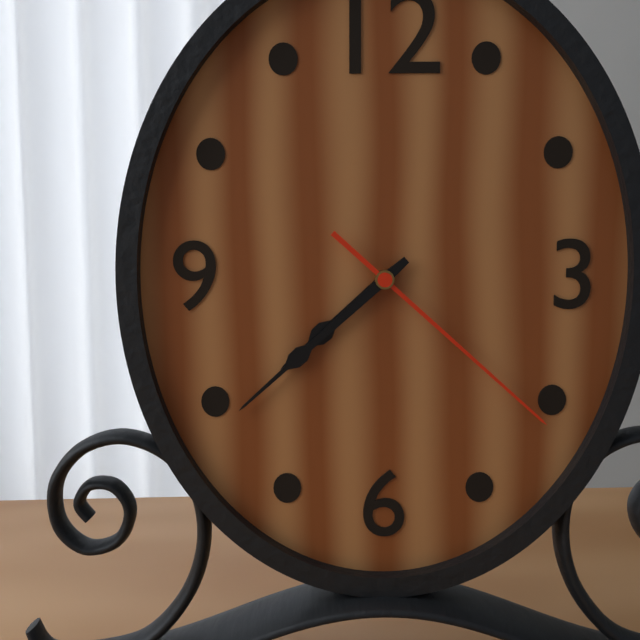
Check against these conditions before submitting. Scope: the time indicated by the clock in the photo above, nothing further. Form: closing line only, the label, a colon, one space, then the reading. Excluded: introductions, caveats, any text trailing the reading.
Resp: 7:38:22
